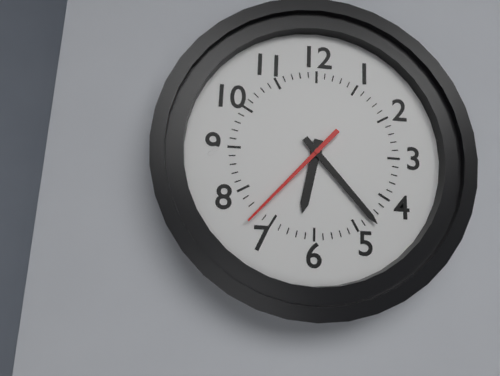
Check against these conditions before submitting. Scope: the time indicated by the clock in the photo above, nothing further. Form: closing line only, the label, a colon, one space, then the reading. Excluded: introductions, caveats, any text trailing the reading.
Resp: 6:23:37
